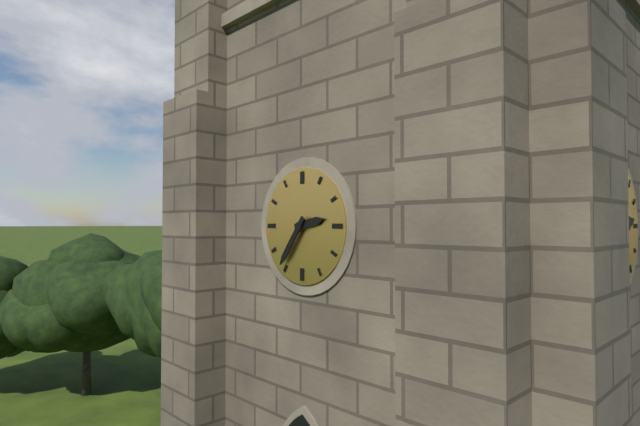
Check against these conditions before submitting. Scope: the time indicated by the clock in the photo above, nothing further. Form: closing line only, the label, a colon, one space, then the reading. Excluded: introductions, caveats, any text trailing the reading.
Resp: 2:36
